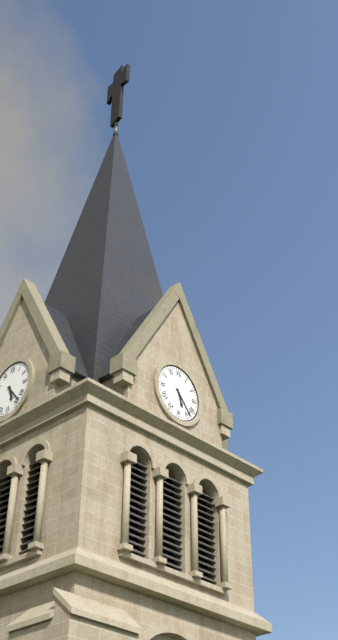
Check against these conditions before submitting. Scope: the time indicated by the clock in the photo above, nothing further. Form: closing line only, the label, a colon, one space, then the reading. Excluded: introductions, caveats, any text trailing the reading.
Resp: 5:23
